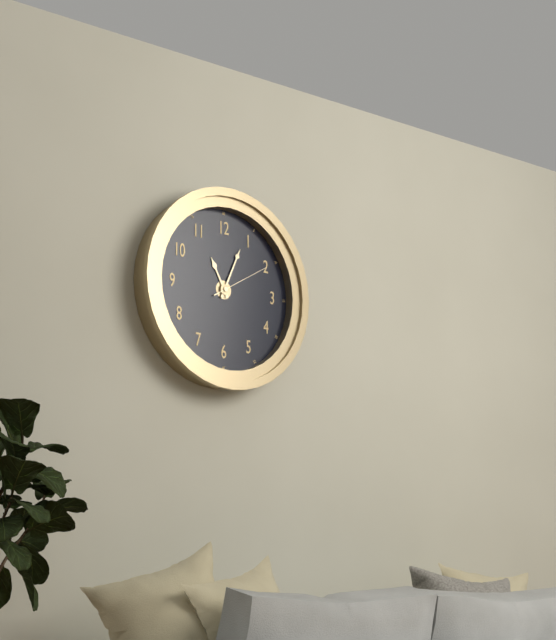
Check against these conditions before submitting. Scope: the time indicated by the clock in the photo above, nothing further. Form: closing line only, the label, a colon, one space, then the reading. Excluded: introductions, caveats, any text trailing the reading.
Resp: 11:04:10
